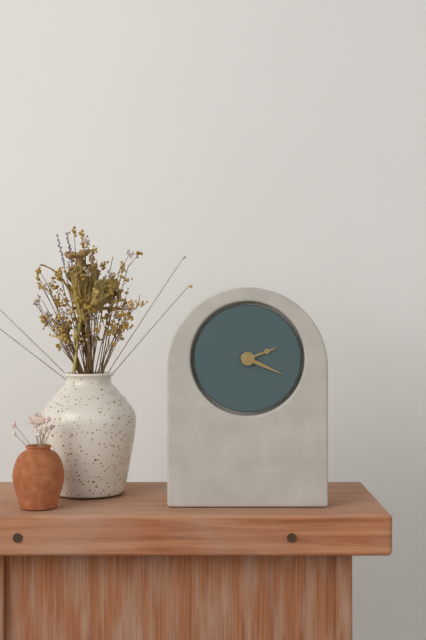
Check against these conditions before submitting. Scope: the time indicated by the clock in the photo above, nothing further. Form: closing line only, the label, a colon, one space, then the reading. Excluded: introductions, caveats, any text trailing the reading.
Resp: 2:19
